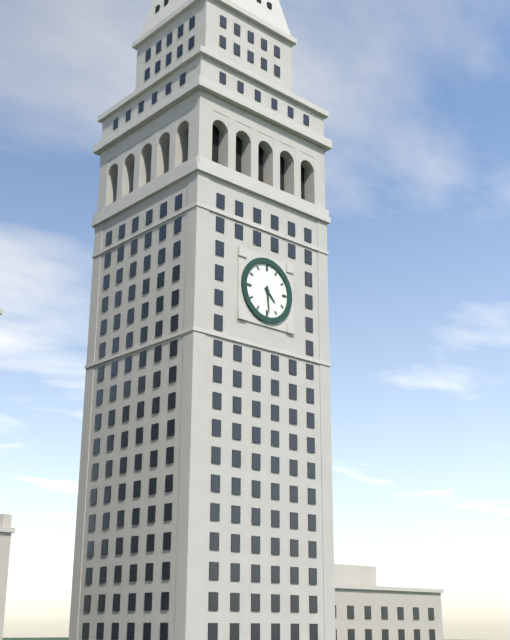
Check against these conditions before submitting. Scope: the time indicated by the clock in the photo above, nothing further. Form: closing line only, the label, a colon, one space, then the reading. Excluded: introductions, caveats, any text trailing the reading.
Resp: 4:29
